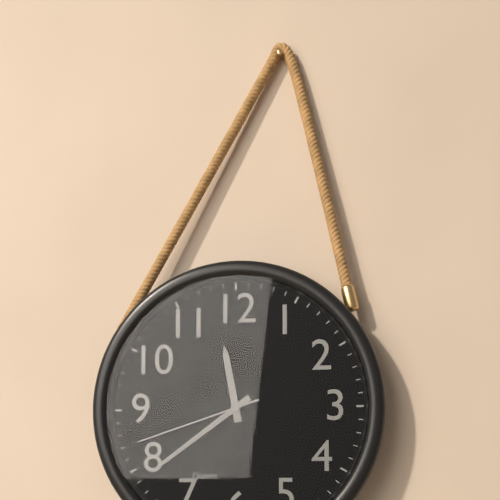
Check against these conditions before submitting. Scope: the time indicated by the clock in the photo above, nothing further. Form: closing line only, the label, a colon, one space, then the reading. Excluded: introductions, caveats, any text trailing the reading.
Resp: 11:39:42
